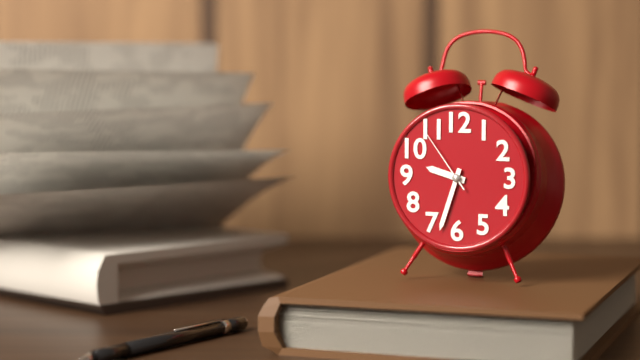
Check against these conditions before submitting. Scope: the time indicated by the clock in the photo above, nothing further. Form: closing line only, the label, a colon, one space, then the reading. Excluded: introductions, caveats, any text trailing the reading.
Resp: 9:33:54
